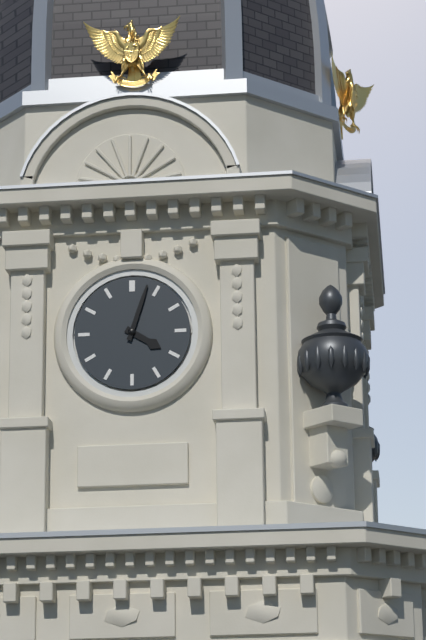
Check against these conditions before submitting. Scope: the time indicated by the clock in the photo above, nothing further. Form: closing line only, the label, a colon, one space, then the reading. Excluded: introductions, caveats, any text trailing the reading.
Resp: 4:03
